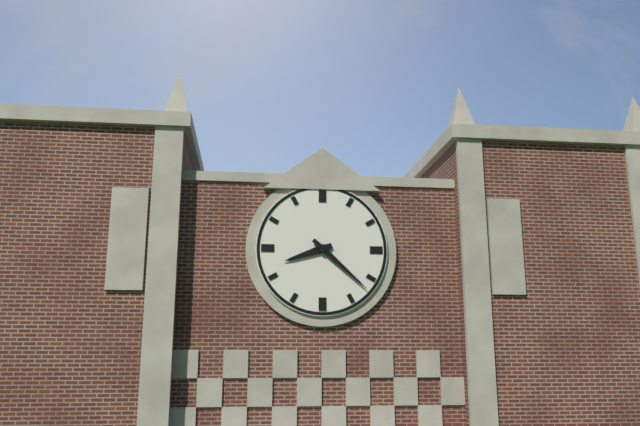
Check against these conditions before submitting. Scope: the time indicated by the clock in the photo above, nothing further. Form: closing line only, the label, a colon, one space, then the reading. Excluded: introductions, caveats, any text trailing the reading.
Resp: 8:22
